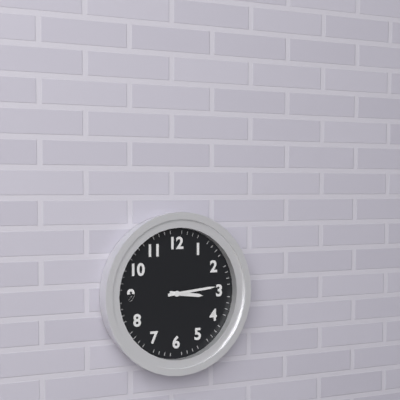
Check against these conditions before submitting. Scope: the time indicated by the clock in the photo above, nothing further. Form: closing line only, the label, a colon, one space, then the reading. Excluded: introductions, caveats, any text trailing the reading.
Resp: 3:14
